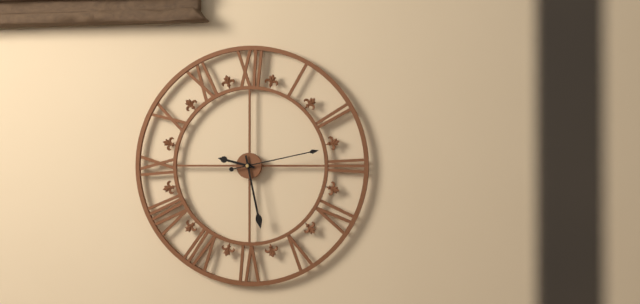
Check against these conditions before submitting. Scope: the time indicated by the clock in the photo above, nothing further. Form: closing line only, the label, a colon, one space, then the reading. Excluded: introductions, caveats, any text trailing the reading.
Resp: 9:28:13
